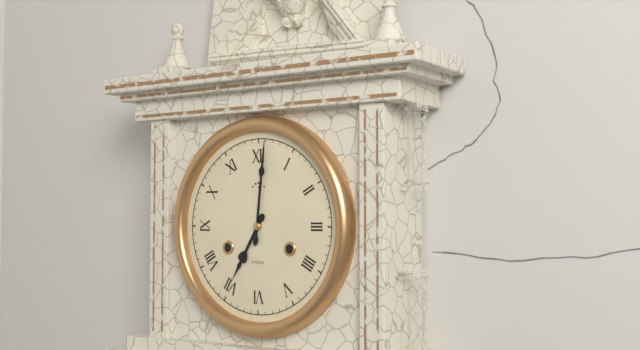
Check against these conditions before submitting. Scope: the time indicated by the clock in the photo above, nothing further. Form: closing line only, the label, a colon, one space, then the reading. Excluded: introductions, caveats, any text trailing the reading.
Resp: 7:01
